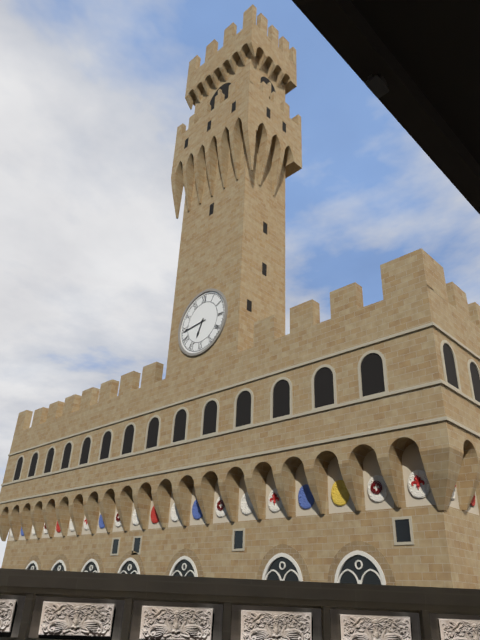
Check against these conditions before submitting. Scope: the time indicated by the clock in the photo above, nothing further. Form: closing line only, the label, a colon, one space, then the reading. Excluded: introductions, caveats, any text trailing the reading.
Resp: 6:44
